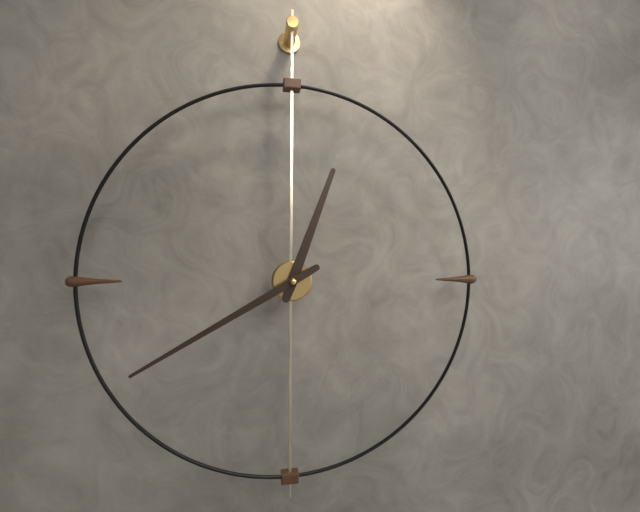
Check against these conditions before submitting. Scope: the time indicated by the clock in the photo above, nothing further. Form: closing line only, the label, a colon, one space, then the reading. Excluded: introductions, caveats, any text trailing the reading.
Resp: 12:40
